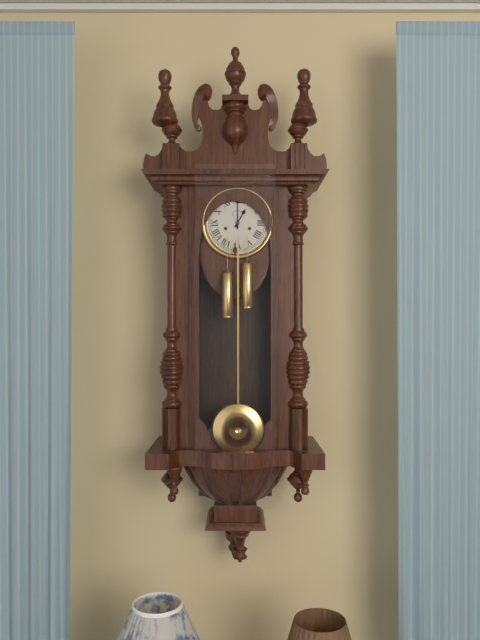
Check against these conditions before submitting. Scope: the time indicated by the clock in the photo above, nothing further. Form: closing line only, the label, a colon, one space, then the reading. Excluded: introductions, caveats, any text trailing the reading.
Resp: 1:00
